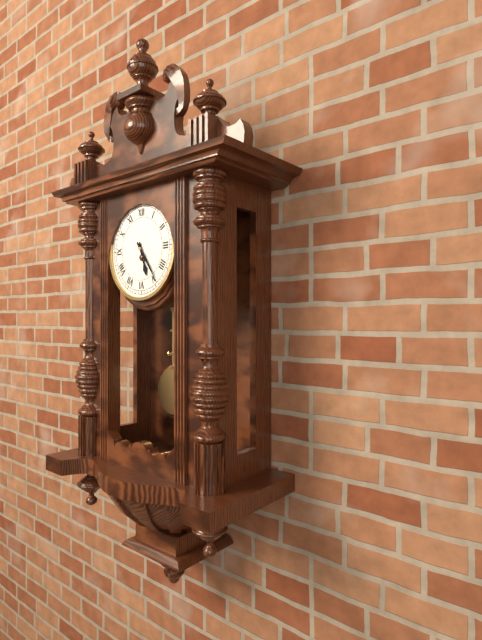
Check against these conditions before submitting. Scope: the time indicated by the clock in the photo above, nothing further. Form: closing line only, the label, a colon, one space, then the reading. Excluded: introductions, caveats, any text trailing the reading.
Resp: 5:24
